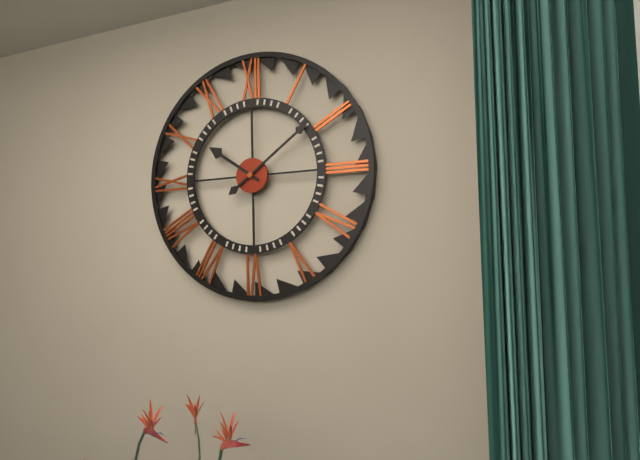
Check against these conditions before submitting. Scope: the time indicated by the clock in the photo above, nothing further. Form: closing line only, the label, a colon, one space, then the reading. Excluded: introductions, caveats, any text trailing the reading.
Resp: 10:09
